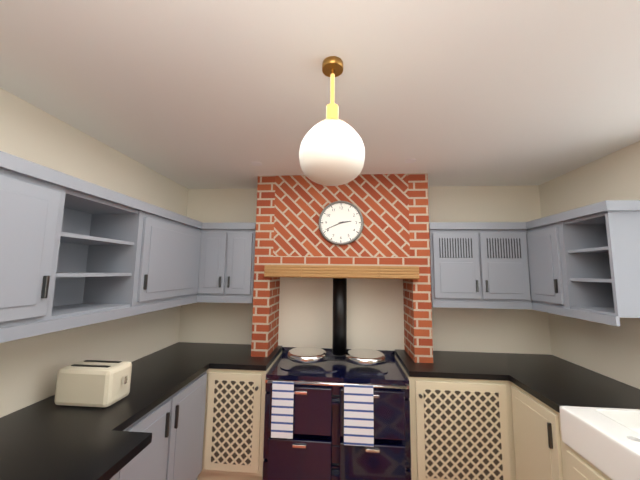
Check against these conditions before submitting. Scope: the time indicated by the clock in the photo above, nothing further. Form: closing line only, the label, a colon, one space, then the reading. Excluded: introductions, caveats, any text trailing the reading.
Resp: 2:41
